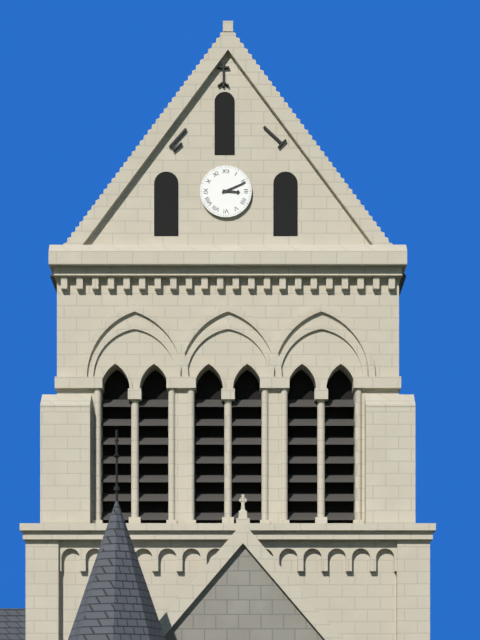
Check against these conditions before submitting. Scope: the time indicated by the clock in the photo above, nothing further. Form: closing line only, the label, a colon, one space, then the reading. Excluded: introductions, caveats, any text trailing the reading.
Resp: 3:11
